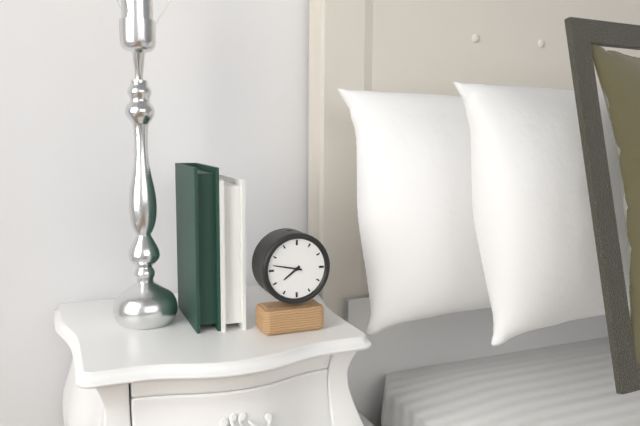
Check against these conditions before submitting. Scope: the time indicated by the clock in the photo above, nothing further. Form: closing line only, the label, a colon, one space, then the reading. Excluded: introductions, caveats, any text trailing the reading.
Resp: 7:47
